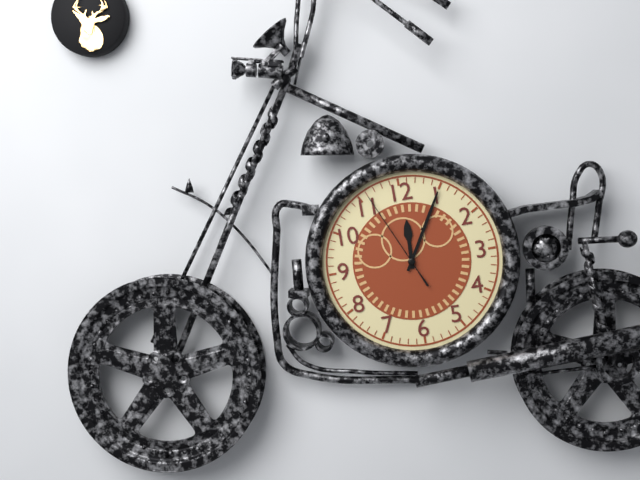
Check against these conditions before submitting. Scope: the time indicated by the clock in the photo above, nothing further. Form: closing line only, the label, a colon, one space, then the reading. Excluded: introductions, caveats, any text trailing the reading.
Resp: 12:05:56
